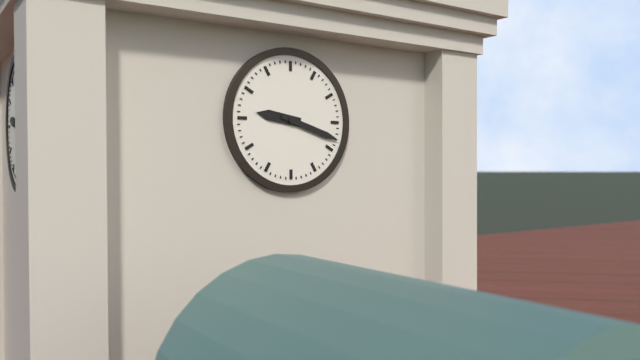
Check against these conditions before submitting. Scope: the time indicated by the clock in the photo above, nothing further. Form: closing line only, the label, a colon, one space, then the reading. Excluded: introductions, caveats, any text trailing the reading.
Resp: 9:18
